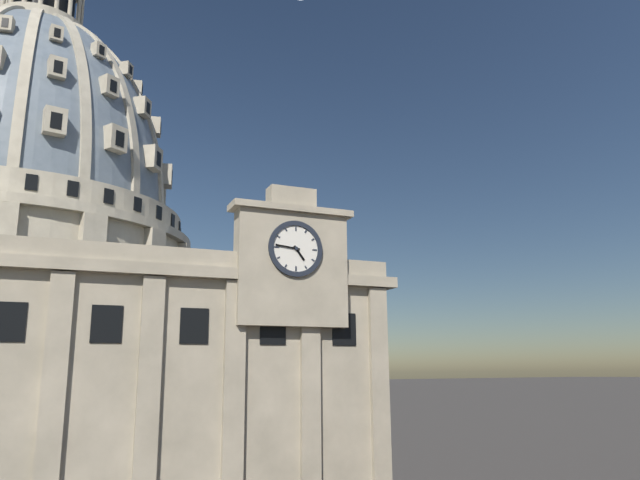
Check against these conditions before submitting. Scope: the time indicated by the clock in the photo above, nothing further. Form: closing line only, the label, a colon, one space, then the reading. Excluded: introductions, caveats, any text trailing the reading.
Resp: 4:46
